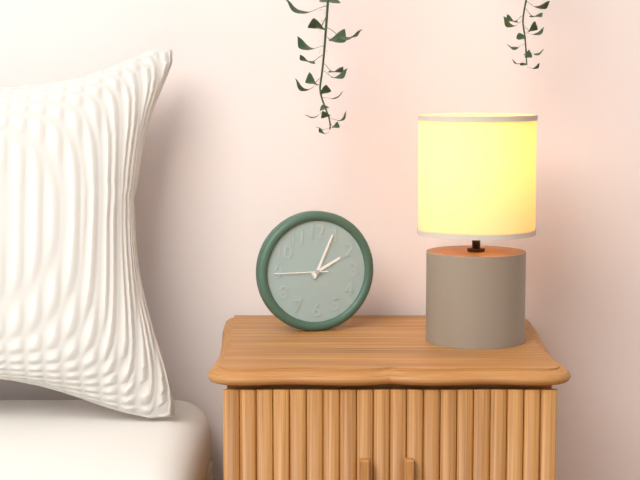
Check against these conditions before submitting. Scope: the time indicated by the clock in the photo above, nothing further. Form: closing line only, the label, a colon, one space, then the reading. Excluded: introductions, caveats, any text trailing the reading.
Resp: 2:04:45
